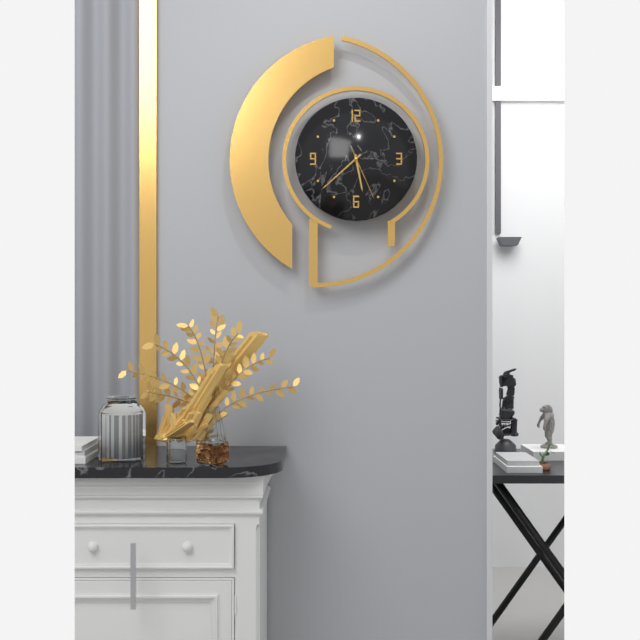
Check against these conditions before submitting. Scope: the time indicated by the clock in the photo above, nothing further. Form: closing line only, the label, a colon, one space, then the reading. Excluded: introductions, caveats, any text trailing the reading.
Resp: 5:38:26
